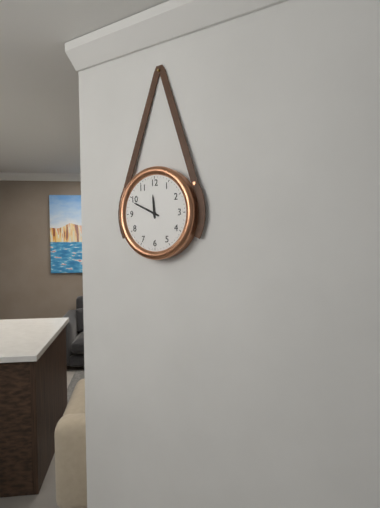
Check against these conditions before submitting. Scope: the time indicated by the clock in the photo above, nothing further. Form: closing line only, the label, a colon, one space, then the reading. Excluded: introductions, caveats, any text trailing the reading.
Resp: 11:49
